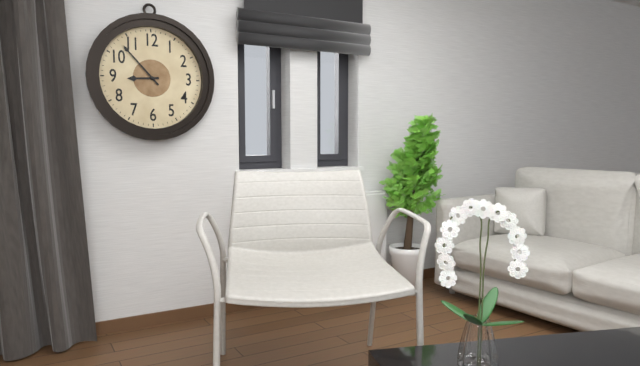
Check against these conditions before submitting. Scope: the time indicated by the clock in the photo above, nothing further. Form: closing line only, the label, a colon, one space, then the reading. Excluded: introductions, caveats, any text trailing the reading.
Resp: 8:53
